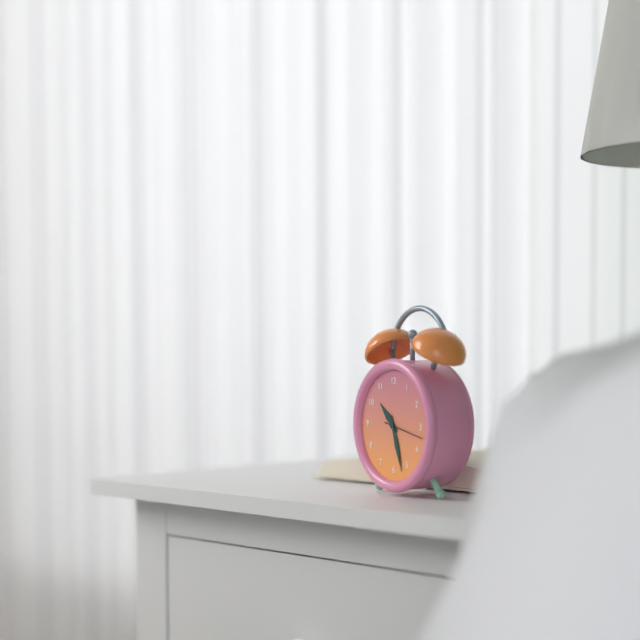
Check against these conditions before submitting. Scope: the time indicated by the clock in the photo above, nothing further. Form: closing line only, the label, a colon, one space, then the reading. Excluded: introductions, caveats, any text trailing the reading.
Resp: 10:27
